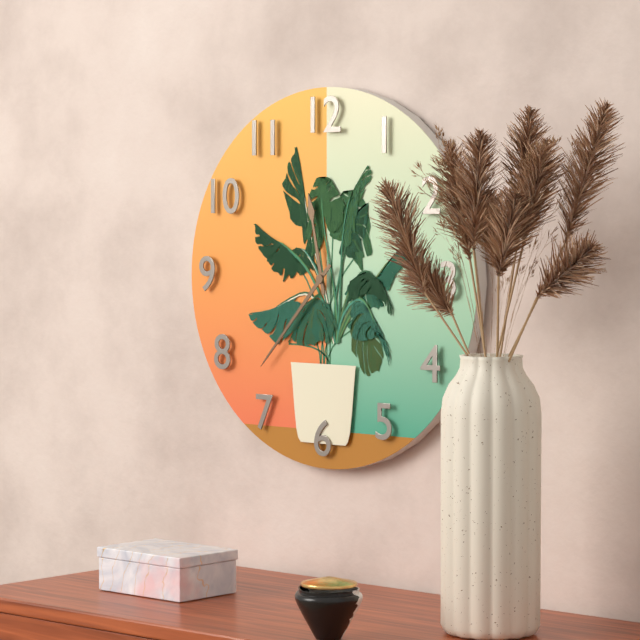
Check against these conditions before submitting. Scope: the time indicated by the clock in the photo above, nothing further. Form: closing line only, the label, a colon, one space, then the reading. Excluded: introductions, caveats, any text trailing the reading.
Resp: 11:37
